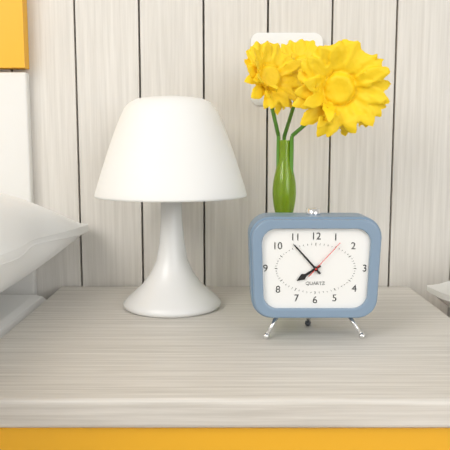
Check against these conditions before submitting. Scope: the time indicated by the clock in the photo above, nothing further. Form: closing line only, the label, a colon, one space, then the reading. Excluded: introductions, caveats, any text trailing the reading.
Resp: 7:53
